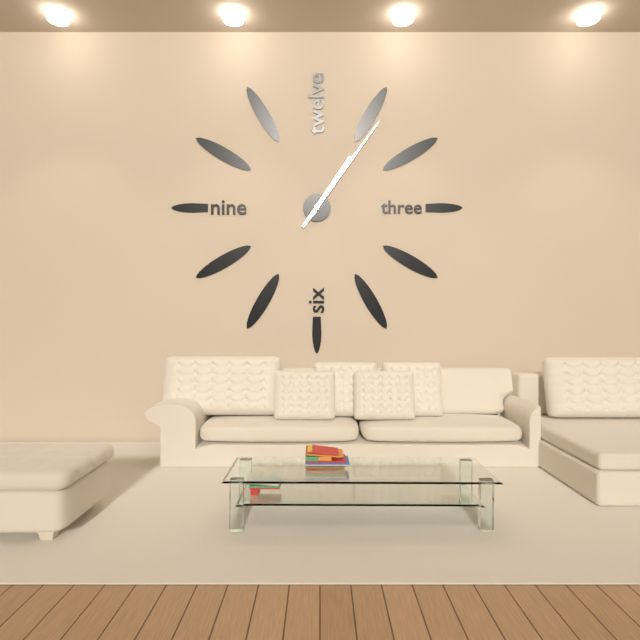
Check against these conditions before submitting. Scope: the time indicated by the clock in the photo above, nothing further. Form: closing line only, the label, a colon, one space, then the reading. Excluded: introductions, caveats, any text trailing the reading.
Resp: 1:06
